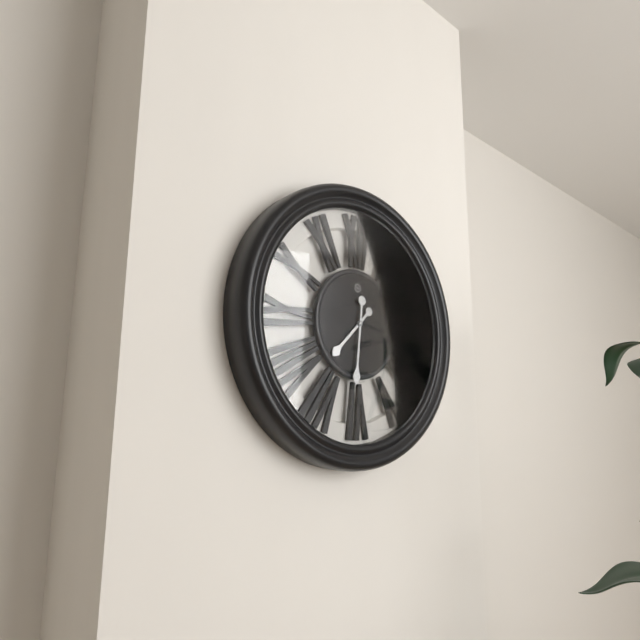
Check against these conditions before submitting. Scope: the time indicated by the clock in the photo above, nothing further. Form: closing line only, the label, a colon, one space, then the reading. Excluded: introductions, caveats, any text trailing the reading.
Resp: 7:31
